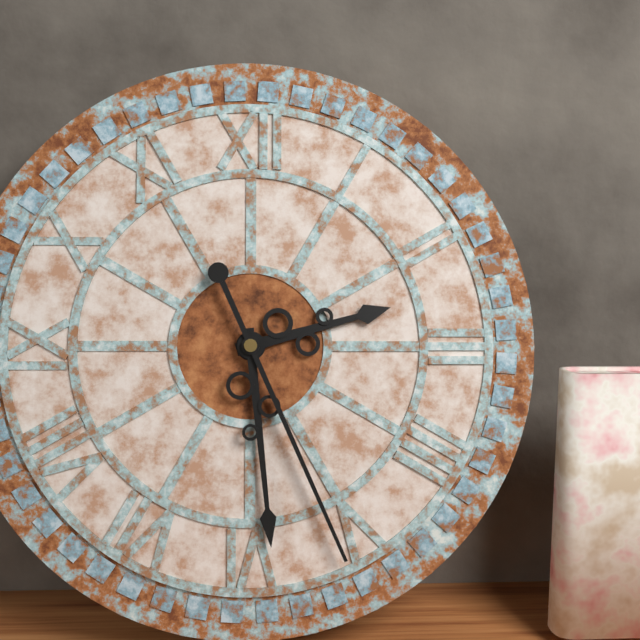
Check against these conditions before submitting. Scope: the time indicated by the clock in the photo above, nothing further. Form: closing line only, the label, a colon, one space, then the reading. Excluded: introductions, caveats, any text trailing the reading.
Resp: 2:29:26
